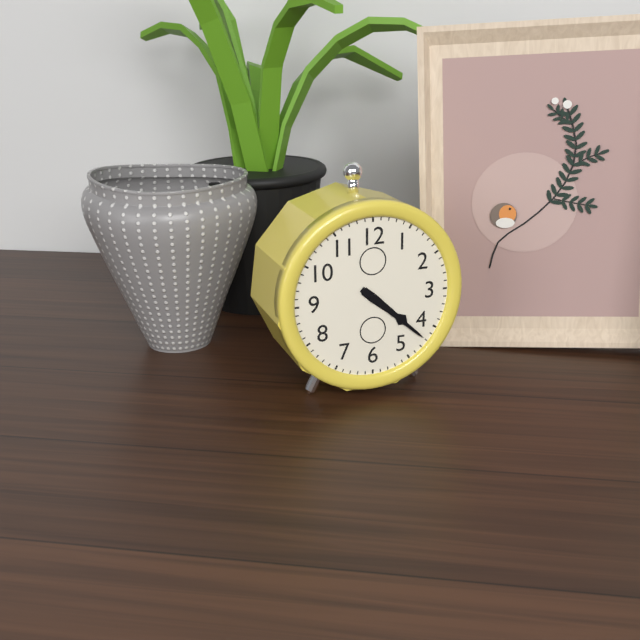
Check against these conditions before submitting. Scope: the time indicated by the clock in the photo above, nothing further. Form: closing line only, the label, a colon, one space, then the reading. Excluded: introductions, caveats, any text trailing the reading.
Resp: 4:22
